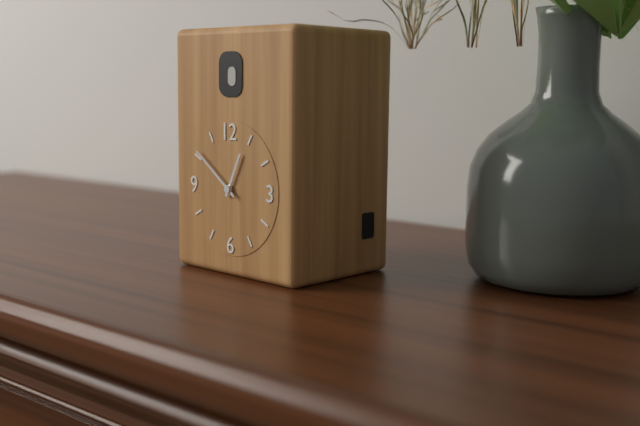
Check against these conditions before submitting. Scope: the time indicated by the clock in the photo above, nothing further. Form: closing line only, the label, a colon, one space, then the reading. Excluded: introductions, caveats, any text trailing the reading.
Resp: 12:51
